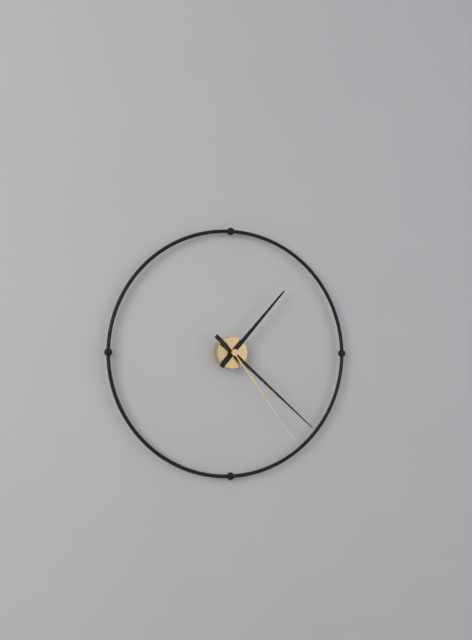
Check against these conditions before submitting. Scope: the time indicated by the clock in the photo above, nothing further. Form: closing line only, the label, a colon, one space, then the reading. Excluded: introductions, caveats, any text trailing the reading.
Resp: 1:22:24
